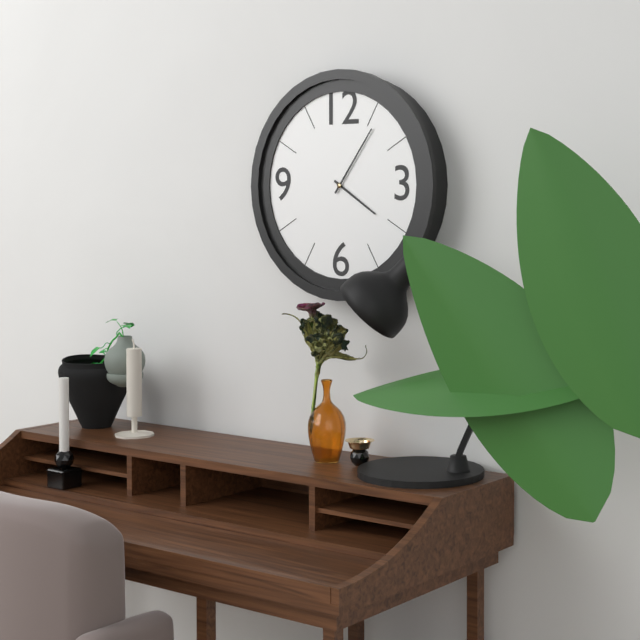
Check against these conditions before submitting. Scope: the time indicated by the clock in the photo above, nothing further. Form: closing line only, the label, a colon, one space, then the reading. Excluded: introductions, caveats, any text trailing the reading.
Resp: 4:06
